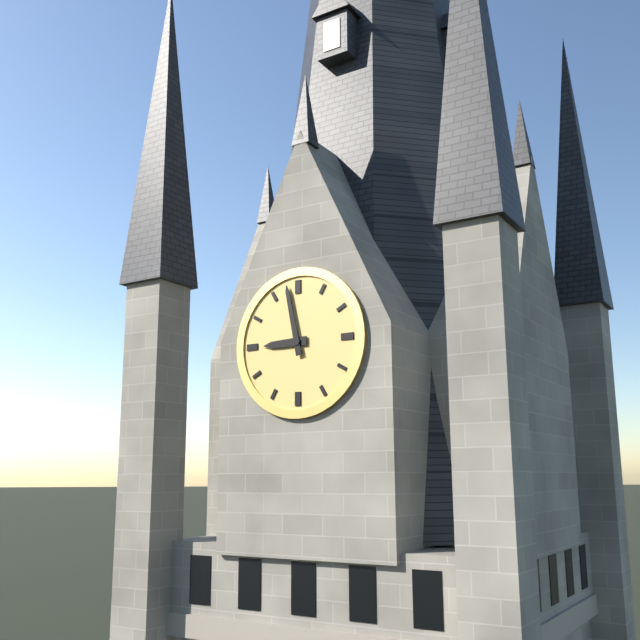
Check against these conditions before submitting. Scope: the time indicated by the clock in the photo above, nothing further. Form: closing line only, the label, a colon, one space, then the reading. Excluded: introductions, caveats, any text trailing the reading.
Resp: 8:58
